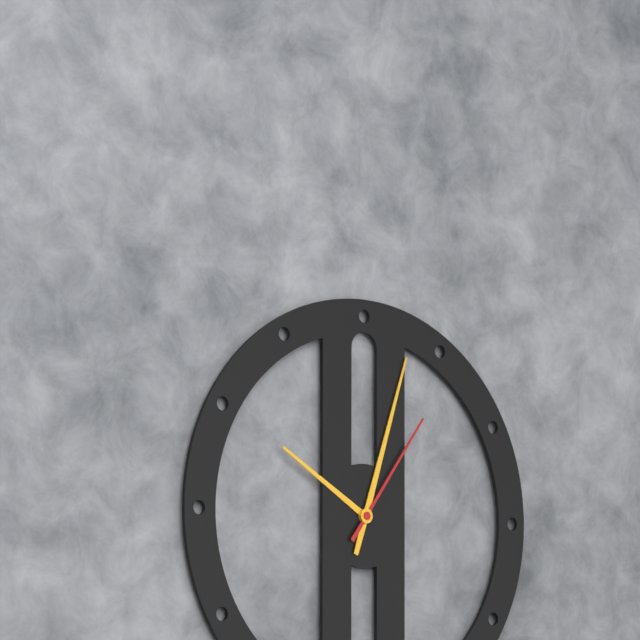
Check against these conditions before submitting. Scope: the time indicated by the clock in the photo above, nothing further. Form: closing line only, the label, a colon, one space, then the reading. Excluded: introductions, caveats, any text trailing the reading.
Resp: 10:03:06
